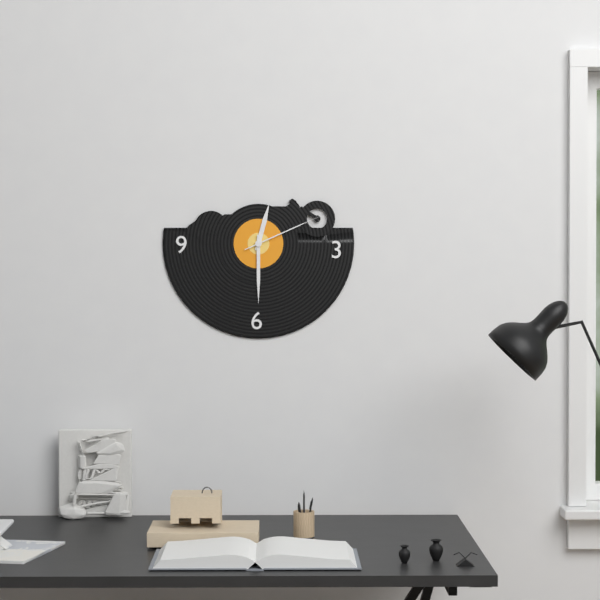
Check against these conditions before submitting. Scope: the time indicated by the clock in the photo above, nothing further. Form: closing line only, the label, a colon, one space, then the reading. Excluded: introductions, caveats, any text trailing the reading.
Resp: 12:30:11
